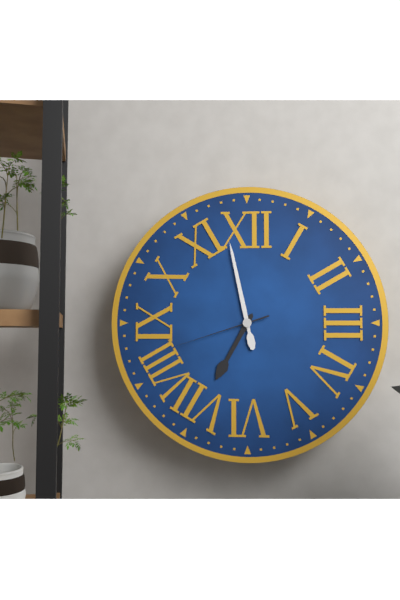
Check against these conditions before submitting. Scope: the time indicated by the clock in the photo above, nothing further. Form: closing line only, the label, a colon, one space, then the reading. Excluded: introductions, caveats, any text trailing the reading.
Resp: 6:58:42
